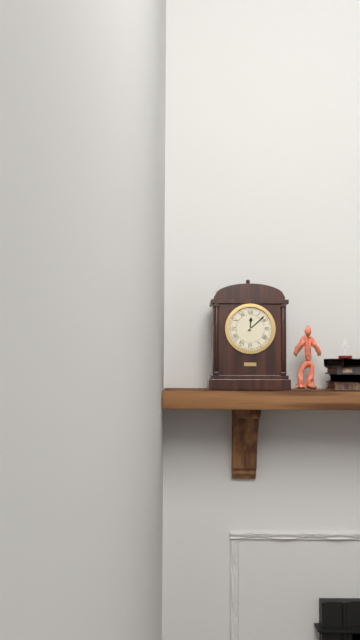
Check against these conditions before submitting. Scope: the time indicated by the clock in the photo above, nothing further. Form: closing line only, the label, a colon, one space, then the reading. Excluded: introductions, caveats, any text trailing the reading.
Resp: 12:08
